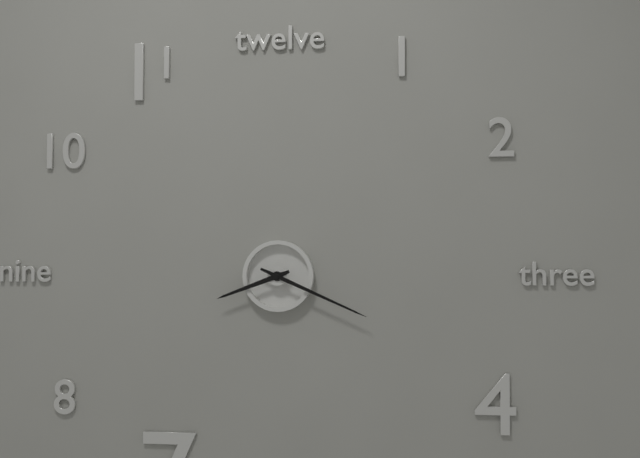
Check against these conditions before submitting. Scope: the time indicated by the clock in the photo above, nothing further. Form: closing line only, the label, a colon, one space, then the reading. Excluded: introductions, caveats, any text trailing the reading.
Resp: 8:19
